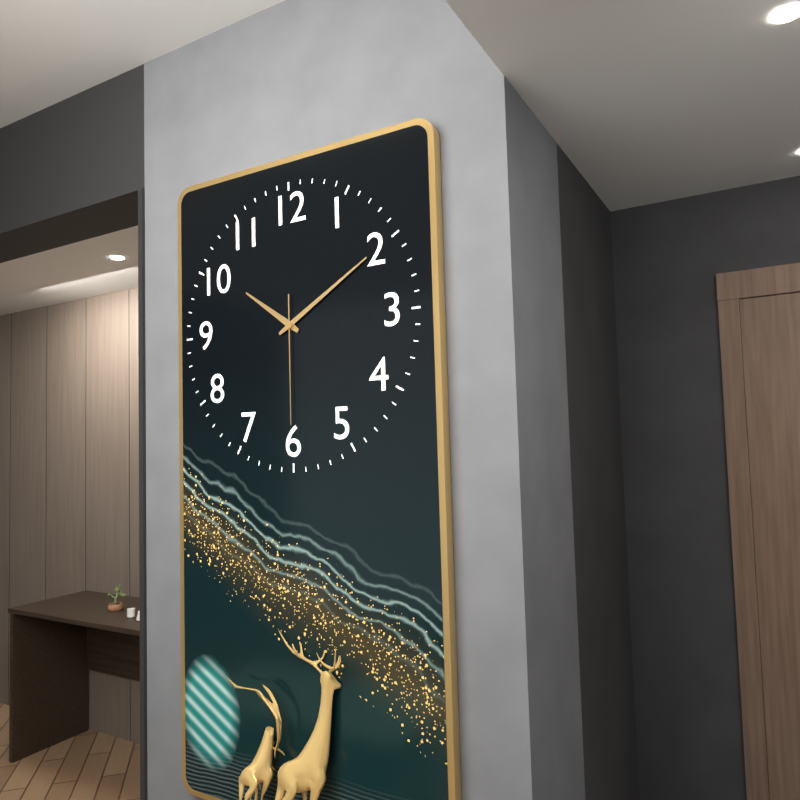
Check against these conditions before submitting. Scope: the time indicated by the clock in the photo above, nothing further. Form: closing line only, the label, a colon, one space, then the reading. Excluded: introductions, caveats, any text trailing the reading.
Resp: 10:10:30
